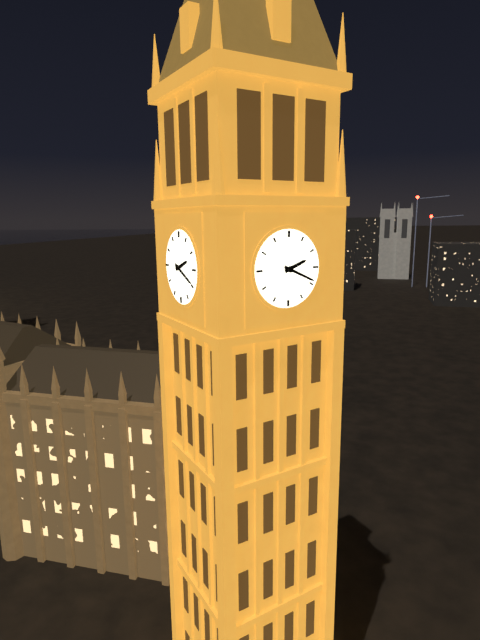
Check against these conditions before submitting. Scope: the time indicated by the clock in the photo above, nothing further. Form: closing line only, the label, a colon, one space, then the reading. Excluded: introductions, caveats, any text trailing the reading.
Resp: 2:19
